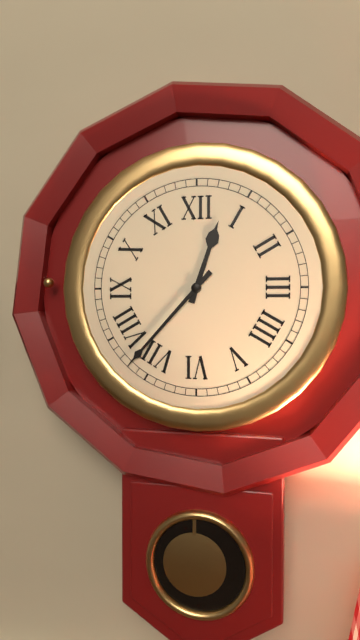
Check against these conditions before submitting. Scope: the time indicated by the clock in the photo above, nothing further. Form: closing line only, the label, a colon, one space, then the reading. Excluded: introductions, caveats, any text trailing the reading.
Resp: 12:37
